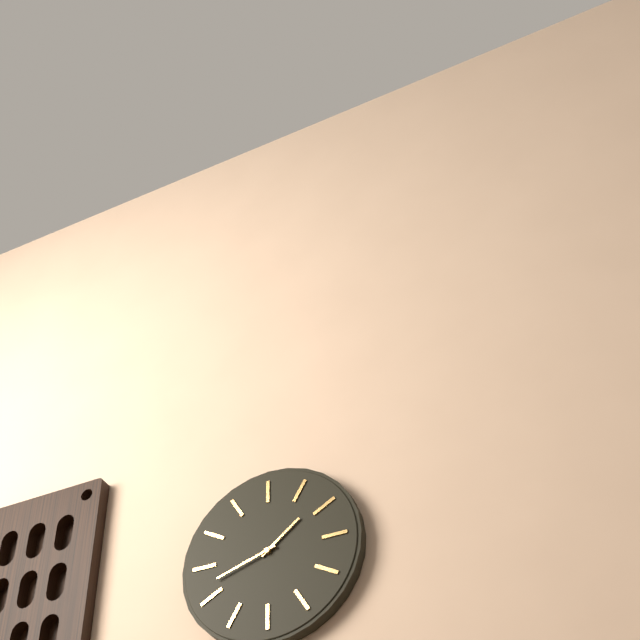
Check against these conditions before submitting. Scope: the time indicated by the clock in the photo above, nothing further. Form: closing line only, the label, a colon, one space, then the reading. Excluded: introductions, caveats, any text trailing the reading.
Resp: 1:42
